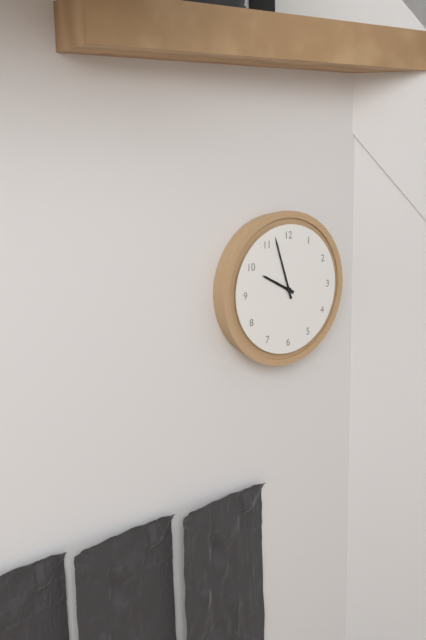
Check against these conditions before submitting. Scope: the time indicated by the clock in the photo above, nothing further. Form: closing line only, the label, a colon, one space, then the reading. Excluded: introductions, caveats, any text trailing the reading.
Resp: 9:57
